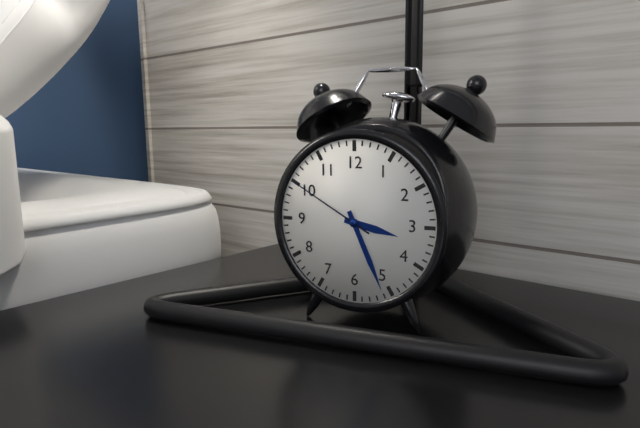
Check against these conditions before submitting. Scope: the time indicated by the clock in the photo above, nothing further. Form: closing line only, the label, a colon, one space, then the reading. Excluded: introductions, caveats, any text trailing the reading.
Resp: 3:26:50
